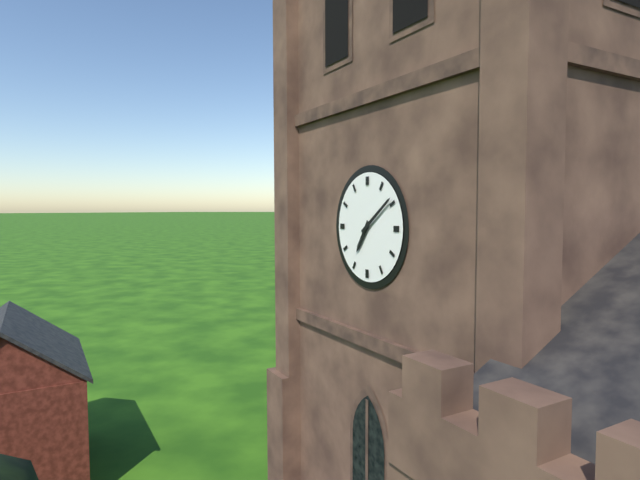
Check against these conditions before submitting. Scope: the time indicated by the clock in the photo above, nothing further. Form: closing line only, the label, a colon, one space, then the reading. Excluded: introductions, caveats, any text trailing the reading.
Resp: 7:09
